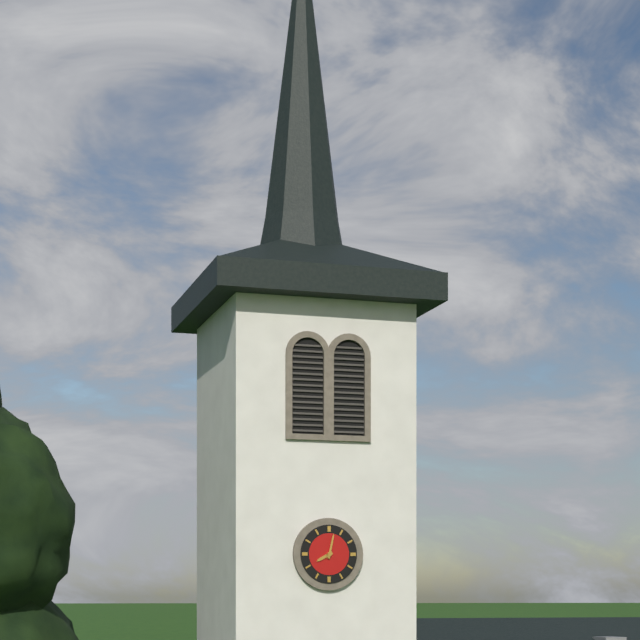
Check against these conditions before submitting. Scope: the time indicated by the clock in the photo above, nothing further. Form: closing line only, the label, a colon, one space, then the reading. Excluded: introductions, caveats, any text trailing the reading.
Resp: 8:02
